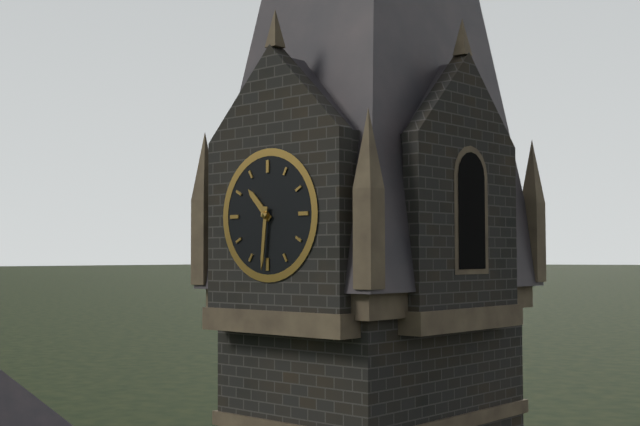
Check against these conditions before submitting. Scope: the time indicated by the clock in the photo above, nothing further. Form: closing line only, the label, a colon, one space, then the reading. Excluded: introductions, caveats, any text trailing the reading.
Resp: 10:31
